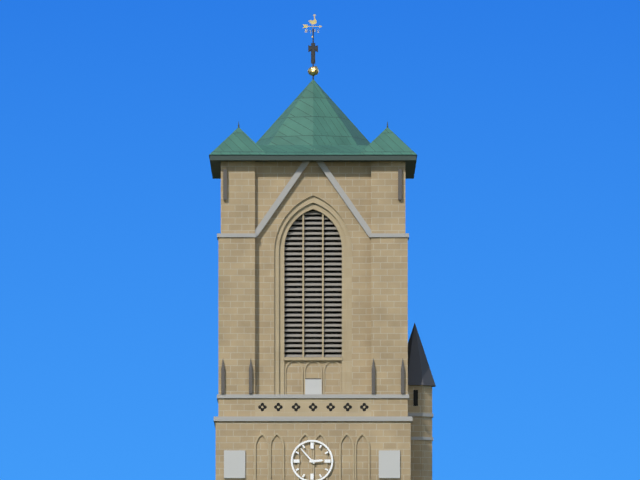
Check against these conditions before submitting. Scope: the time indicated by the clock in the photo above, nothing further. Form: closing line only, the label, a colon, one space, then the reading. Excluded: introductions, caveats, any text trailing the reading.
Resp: 2:53
